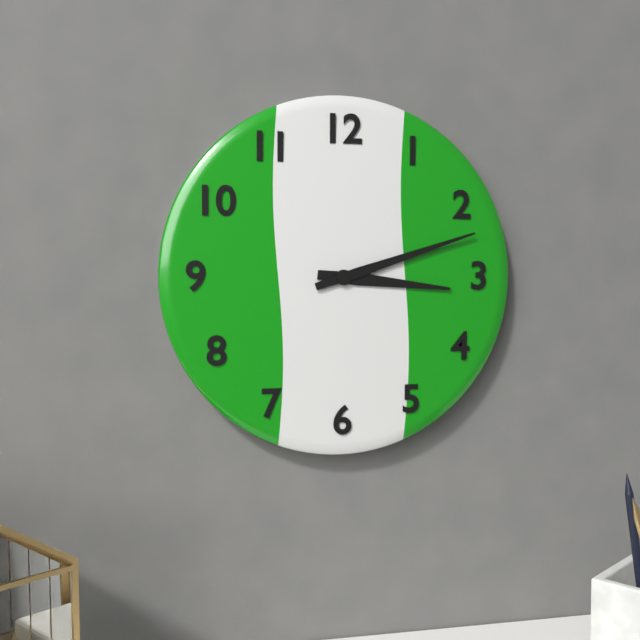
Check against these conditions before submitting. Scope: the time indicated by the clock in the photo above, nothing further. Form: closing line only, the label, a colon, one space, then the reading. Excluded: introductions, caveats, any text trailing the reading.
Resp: 3:12
